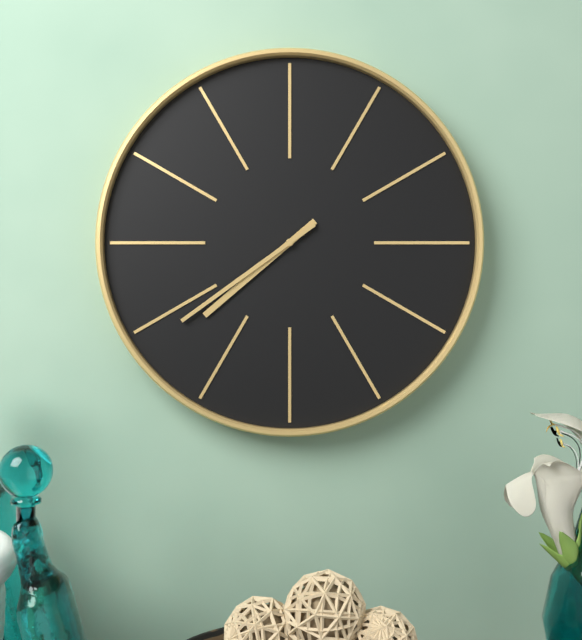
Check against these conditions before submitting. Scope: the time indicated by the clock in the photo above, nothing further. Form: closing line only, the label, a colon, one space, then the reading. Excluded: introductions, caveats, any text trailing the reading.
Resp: 7:39
